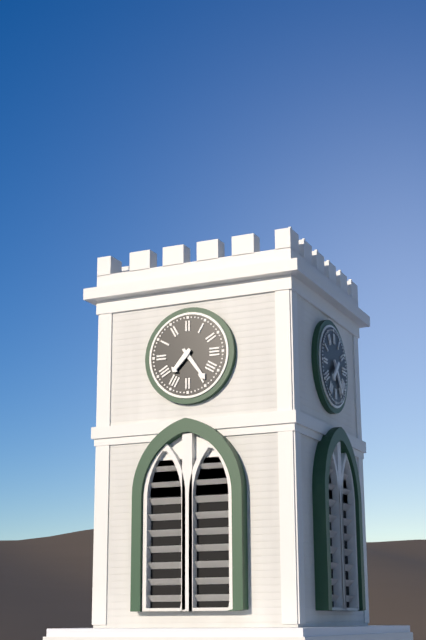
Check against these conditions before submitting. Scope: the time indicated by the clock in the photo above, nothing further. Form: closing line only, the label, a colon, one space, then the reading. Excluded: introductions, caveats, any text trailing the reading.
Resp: 7:24
